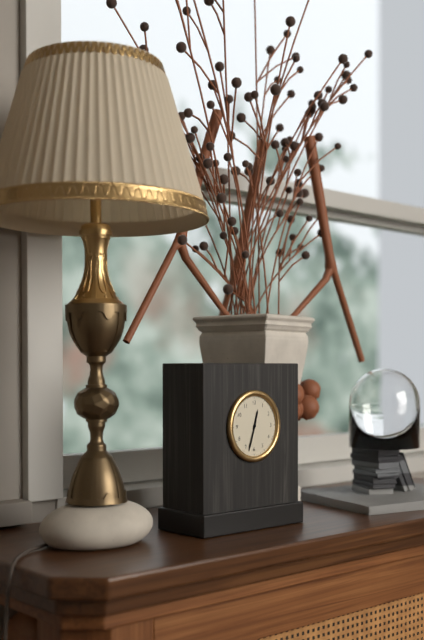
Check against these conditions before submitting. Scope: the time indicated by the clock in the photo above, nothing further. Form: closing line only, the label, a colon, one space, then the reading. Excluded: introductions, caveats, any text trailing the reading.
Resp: 12:33
